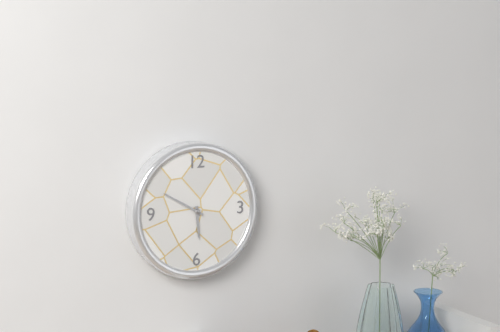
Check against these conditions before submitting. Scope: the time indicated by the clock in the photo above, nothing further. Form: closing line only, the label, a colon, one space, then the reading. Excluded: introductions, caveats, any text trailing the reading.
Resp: 5:50
